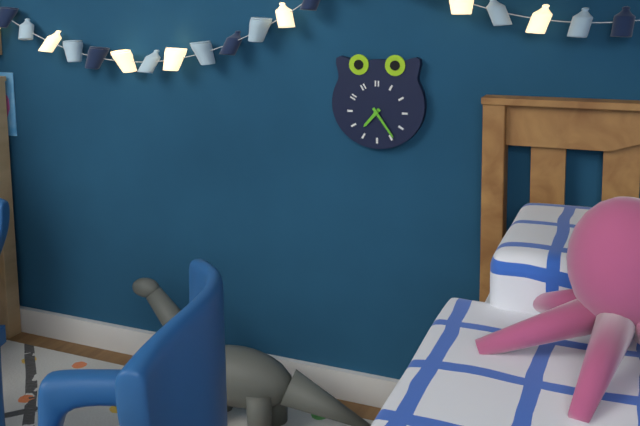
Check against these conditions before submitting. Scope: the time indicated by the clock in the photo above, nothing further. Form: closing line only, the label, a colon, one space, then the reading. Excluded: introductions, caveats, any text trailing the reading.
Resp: 7:24
